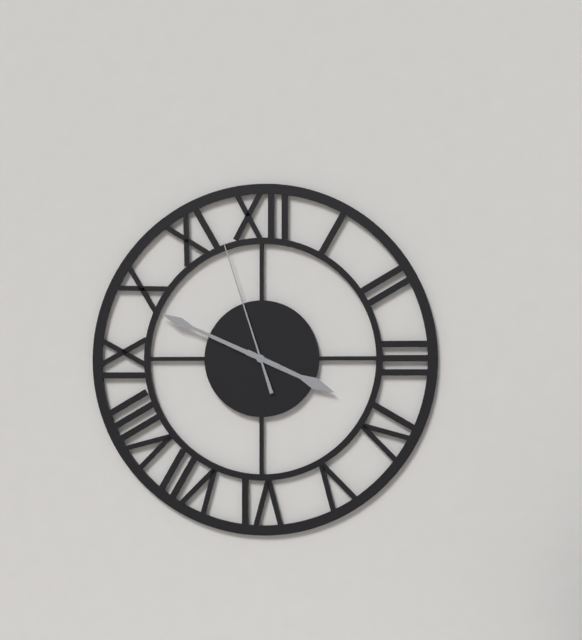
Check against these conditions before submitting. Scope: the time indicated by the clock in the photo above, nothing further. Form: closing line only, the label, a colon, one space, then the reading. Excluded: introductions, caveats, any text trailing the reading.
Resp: 3:49:57
